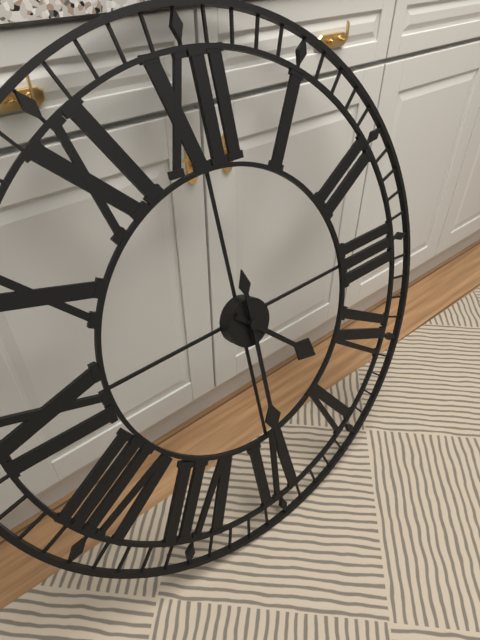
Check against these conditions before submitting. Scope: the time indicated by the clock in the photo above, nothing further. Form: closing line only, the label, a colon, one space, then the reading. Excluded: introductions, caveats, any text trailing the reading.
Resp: 4:30
